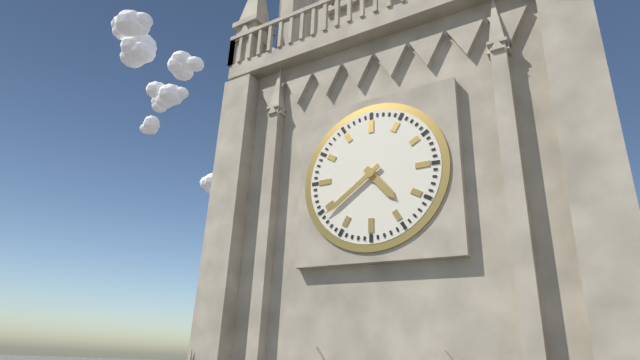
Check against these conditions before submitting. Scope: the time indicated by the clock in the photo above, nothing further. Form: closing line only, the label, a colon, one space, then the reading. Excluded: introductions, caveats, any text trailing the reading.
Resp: 4:39
